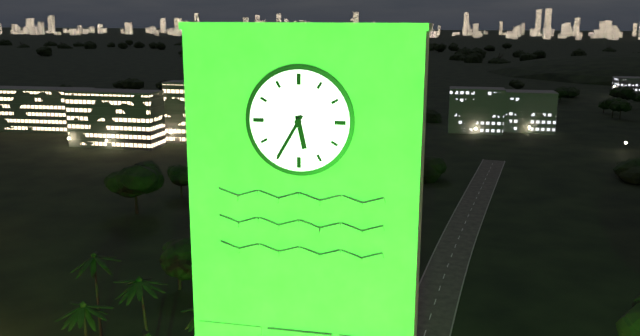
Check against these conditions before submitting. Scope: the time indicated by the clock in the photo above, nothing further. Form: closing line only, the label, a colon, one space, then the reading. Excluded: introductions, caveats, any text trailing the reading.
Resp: 5:35
